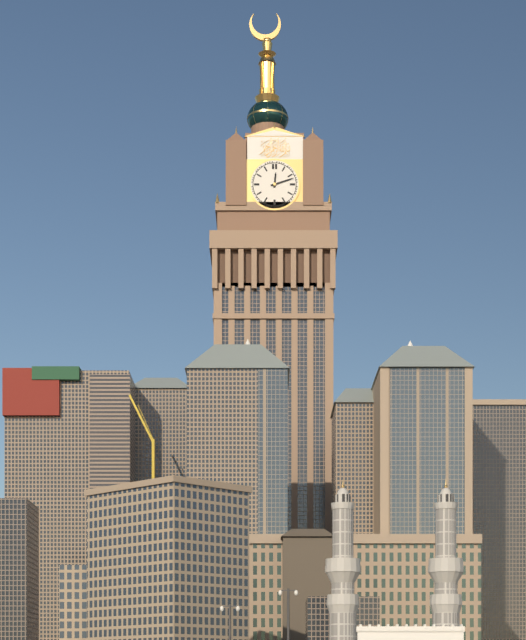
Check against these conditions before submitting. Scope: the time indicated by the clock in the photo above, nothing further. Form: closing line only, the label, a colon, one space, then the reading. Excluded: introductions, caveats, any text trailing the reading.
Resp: 12:12
